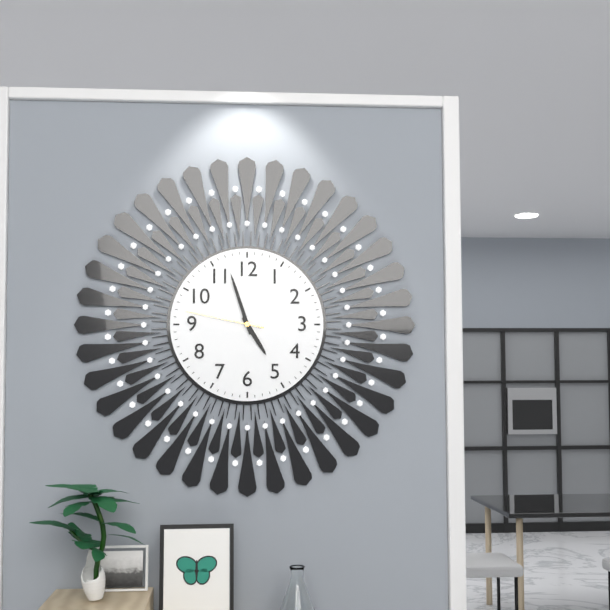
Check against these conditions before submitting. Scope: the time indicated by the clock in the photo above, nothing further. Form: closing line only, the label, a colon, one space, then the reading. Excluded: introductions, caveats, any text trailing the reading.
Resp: 4:57:47
